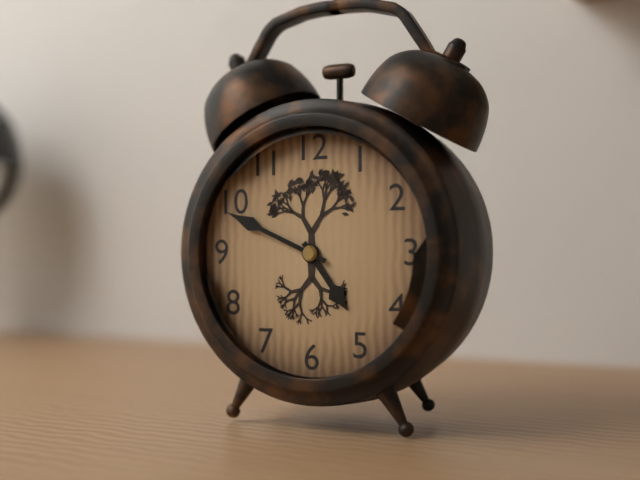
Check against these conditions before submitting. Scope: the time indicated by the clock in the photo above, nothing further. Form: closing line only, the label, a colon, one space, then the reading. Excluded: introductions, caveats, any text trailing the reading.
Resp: 4:49
